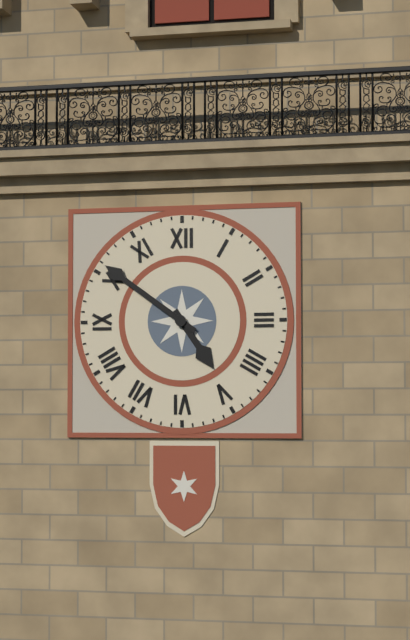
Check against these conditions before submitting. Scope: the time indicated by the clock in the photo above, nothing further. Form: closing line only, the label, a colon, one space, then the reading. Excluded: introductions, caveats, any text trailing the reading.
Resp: 4:51
